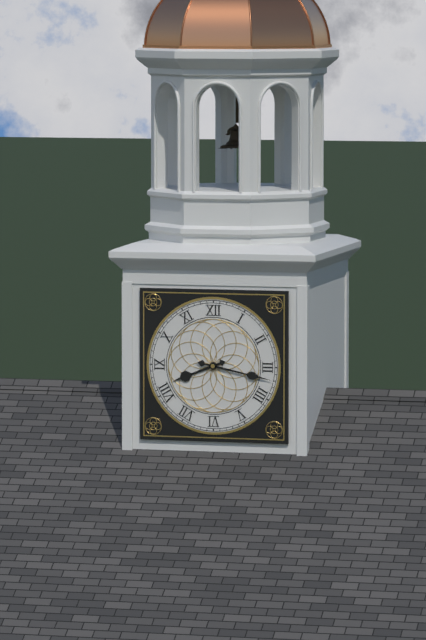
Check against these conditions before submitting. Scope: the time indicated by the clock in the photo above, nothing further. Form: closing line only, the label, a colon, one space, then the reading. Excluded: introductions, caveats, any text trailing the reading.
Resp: 8:17
